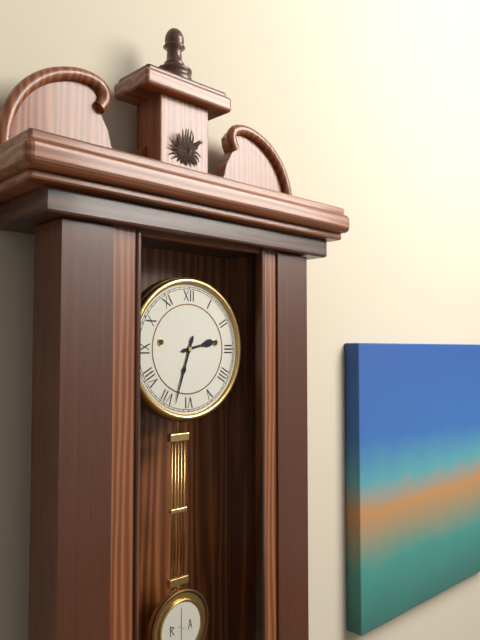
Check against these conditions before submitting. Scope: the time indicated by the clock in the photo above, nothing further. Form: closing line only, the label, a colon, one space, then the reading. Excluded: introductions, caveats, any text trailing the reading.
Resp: 2:33
